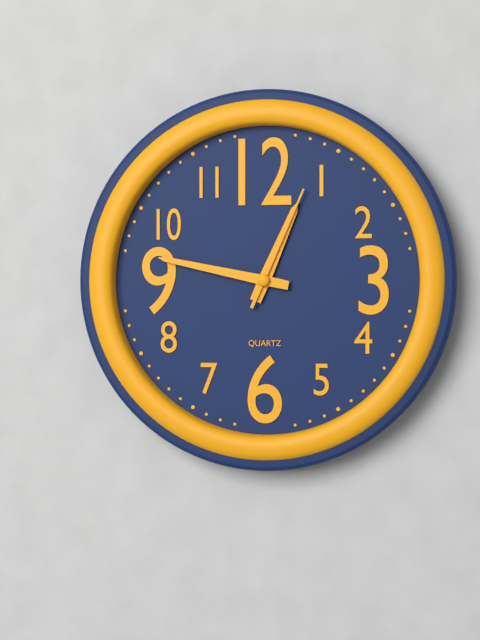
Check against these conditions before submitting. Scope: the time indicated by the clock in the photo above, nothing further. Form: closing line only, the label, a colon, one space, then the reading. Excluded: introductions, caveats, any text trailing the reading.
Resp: 12:47:04
